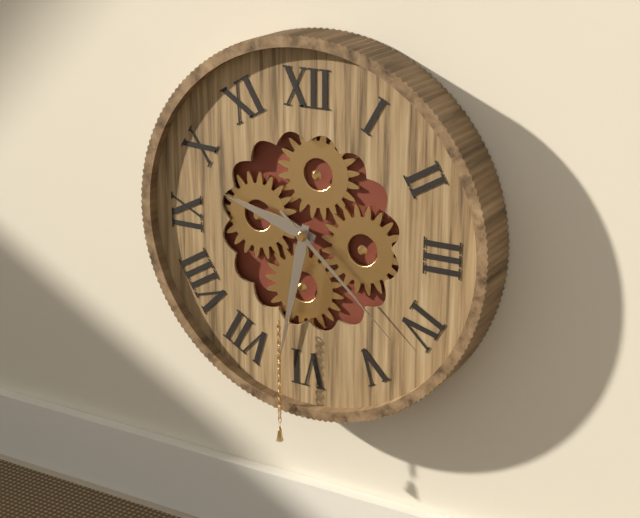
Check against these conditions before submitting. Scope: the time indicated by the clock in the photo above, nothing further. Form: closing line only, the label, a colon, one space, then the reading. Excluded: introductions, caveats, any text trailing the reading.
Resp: 9:32:22
